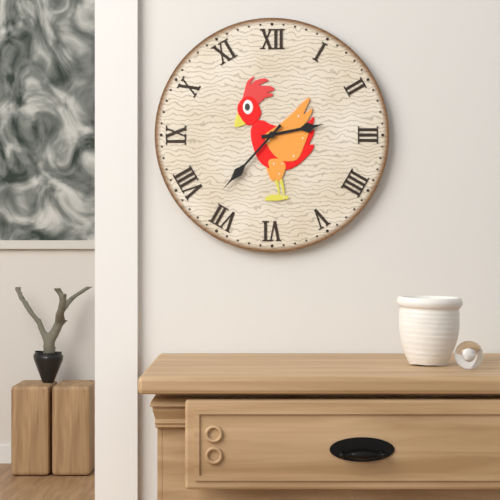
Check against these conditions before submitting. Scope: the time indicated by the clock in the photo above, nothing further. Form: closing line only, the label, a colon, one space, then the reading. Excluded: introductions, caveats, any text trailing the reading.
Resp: 2:37
